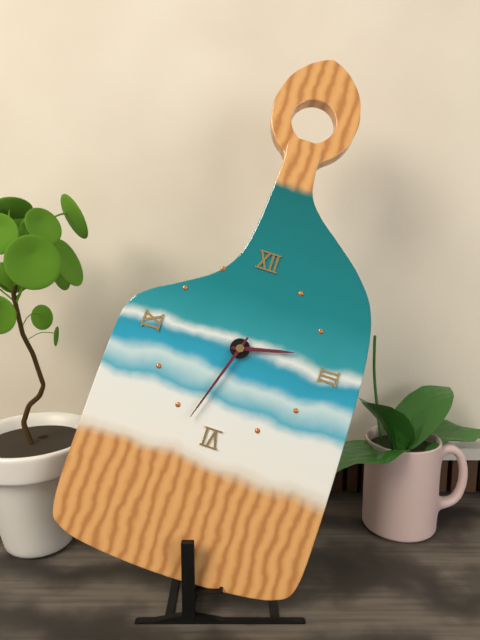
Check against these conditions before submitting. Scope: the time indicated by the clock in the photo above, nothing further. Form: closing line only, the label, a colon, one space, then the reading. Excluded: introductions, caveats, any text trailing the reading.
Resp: 2:33
